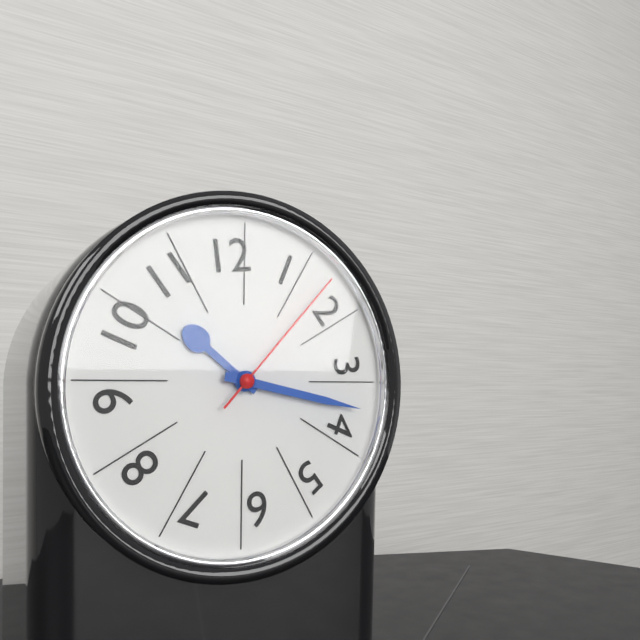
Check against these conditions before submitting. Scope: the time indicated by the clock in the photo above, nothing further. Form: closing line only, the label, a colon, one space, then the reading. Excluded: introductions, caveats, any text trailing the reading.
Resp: 10:17:07
